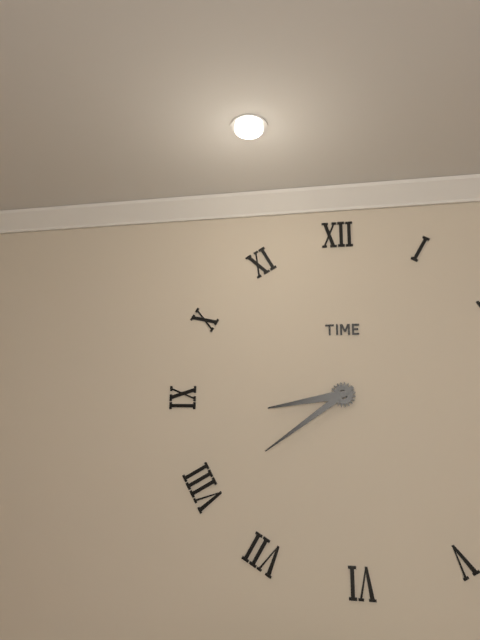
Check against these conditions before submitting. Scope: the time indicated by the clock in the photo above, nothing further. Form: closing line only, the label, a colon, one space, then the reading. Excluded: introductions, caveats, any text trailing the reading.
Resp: 8:39
